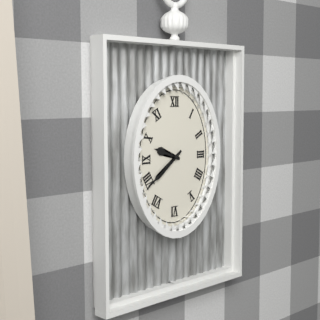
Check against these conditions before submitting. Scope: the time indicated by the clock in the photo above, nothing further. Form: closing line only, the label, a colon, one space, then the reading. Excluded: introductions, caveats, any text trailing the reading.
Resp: 9:39
